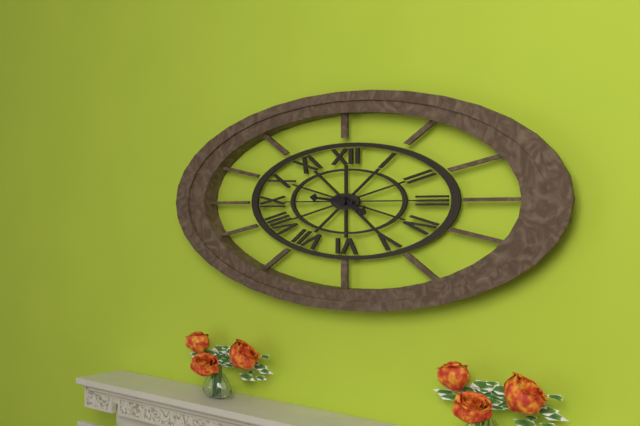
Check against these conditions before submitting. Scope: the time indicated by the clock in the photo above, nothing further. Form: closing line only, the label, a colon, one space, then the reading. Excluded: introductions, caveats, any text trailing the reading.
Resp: 3:46
